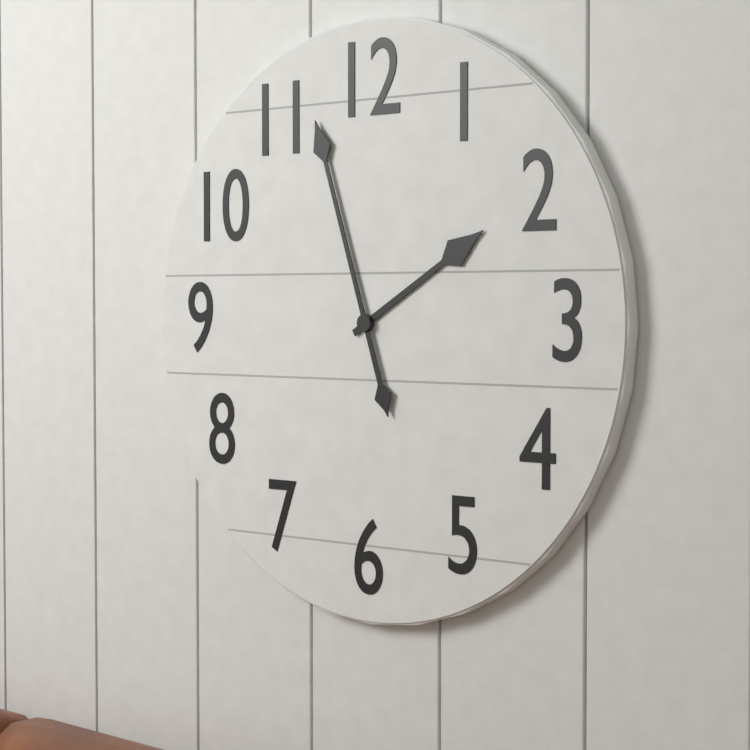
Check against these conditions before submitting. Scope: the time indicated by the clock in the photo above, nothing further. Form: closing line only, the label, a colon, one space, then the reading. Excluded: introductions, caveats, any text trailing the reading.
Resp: 1:57
